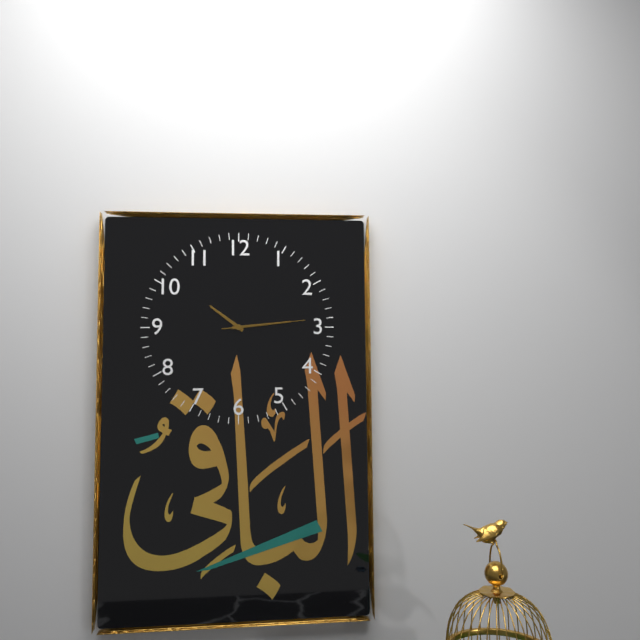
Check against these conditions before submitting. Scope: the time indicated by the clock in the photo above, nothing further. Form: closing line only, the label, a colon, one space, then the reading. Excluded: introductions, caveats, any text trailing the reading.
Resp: 10:14:14
